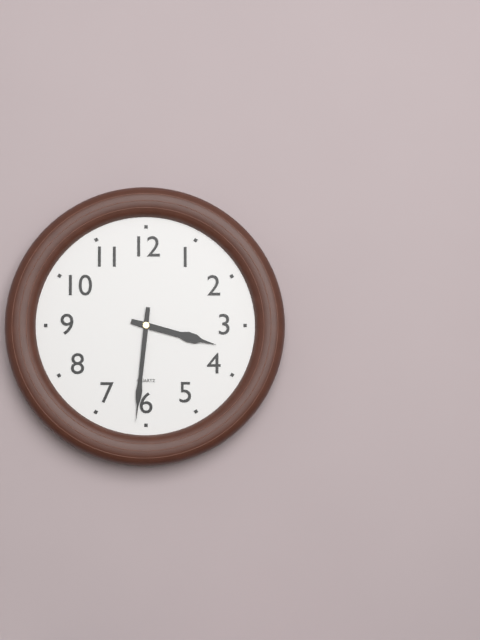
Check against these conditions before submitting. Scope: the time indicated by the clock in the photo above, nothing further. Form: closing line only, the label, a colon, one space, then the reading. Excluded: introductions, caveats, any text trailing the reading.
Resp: 3:31
